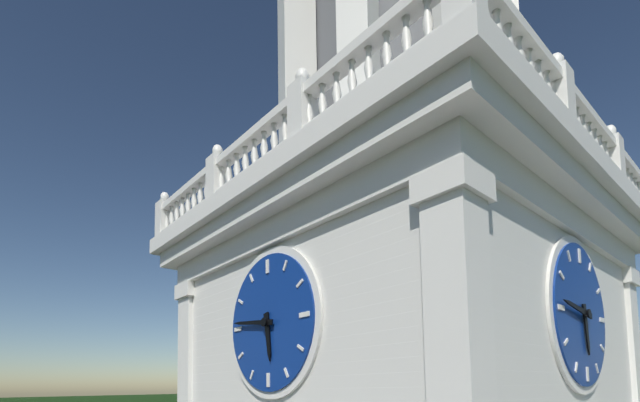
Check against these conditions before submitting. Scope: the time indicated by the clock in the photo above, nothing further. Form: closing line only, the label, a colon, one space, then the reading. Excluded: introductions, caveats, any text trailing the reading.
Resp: 5:46
